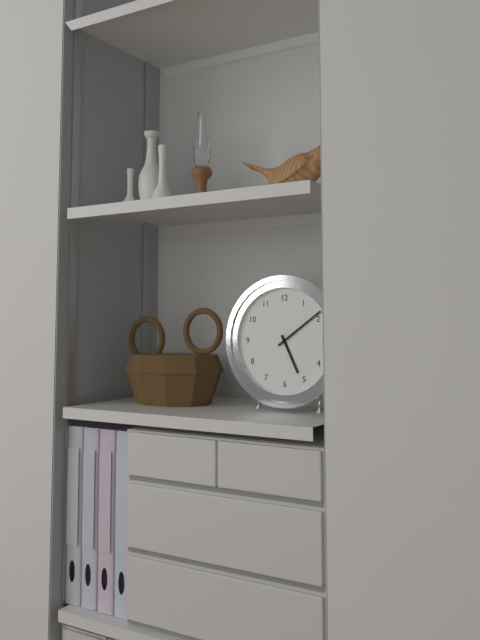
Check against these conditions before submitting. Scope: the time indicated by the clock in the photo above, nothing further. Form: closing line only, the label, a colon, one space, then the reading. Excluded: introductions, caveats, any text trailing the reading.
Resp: 5:09
